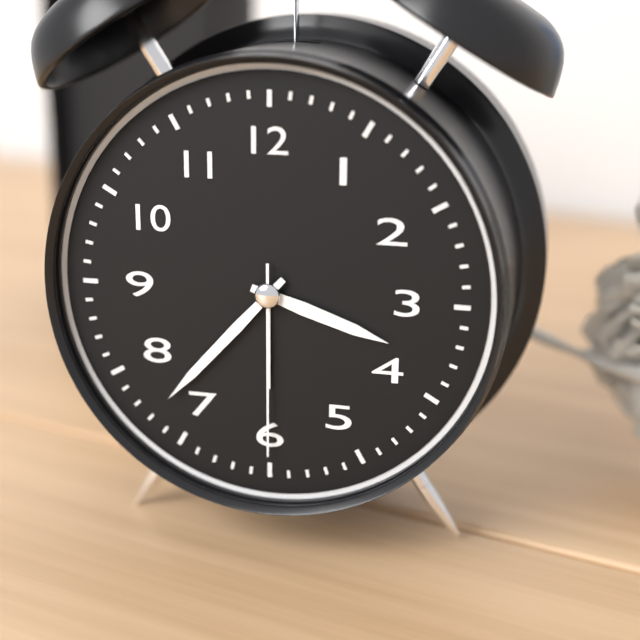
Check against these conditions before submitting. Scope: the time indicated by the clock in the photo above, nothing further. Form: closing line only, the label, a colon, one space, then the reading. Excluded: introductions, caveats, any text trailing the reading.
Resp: 3:37:30
